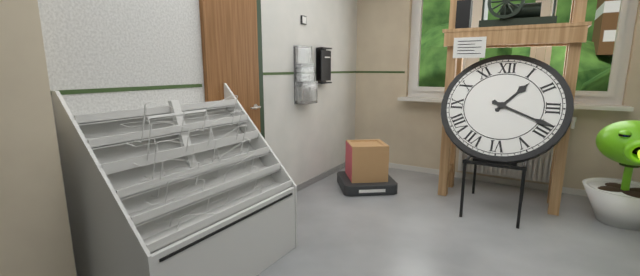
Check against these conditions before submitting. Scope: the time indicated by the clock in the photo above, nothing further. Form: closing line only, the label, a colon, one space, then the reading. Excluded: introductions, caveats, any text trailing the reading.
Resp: 1:19
